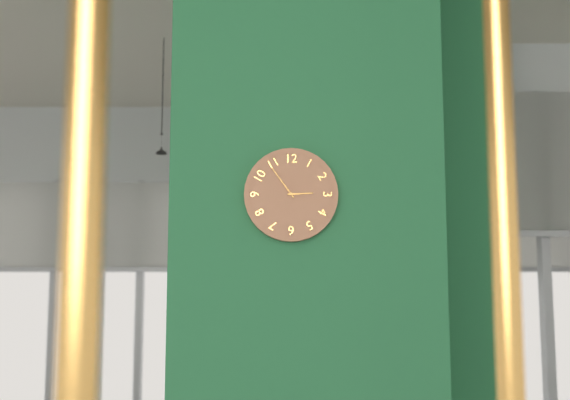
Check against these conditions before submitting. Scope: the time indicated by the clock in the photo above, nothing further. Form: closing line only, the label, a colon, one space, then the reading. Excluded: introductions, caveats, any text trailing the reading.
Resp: 2:54
